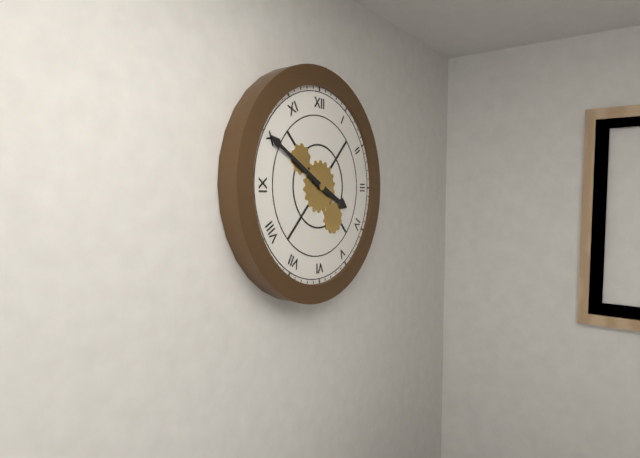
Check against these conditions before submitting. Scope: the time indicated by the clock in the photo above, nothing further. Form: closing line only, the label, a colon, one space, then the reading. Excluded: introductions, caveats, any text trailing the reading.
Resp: 3:50
